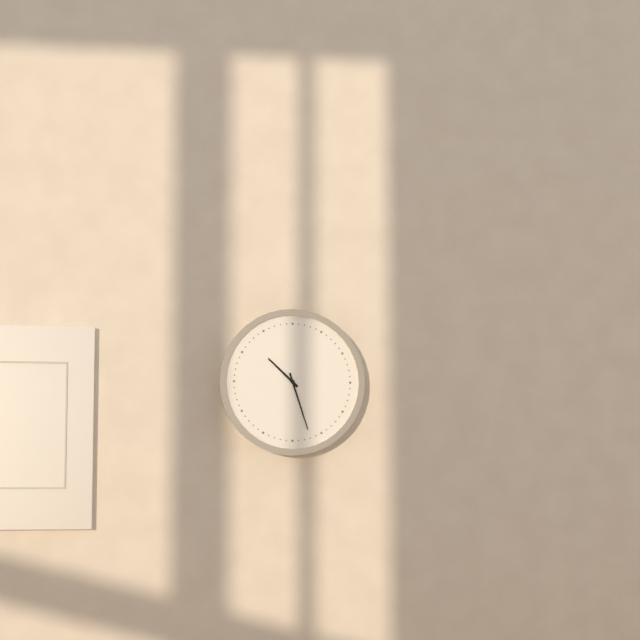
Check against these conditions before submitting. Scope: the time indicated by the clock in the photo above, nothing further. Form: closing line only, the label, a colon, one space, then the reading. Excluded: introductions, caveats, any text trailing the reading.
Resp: 10:27
